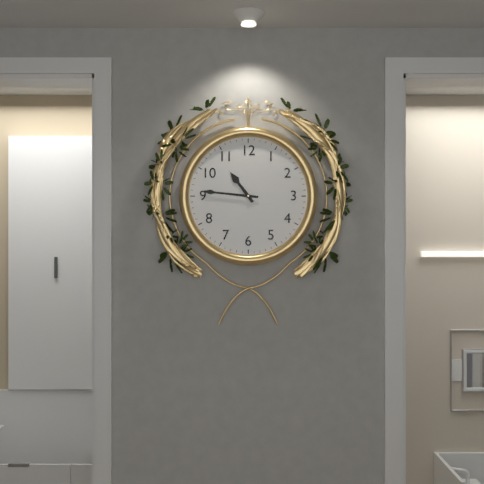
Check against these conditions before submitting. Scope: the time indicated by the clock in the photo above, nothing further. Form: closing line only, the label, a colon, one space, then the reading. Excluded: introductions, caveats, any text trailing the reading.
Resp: 10:46
